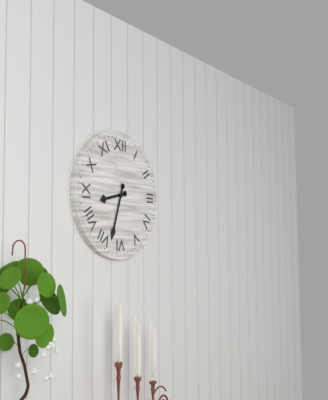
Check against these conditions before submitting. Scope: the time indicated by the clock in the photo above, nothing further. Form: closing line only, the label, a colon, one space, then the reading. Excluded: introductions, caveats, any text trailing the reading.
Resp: 8:33
